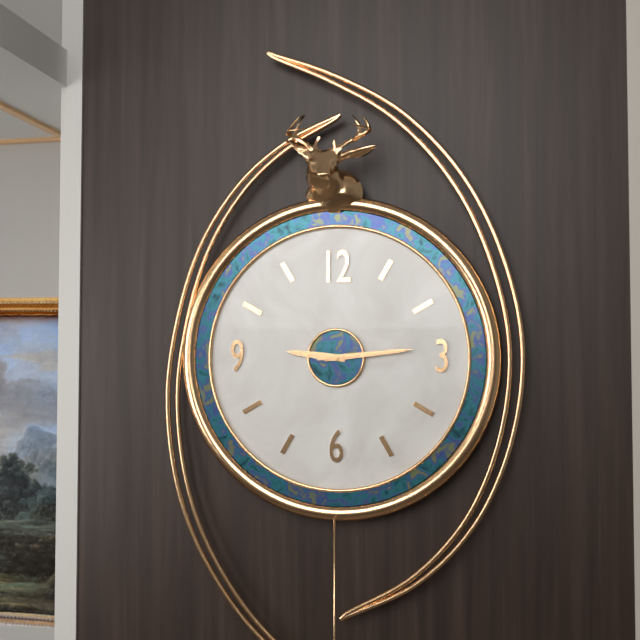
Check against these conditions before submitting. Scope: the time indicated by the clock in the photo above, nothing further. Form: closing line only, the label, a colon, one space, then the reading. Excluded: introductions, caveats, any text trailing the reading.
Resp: 9:14:14
